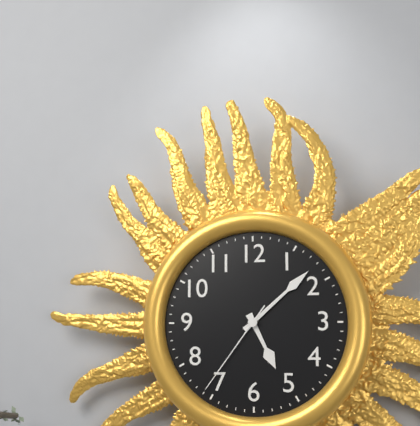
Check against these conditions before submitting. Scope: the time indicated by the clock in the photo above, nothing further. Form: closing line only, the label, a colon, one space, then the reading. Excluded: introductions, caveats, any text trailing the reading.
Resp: 5:08:36
